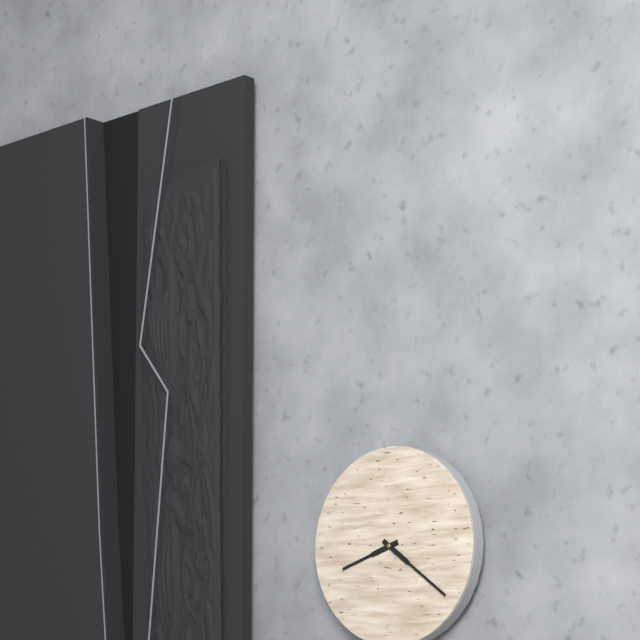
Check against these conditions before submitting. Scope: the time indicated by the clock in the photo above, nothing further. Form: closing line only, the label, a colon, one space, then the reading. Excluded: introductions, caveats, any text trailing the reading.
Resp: 8:21
